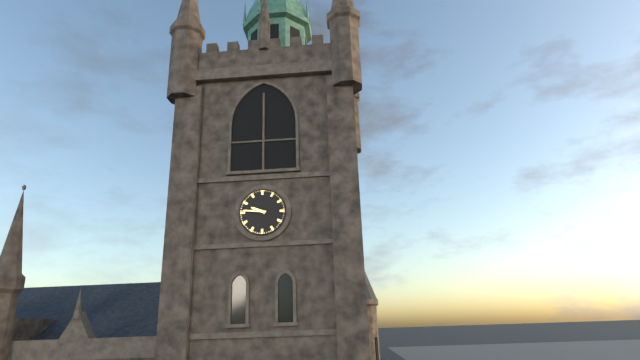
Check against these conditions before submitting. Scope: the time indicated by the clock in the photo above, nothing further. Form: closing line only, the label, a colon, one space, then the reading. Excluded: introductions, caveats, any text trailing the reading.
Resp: 9:46
